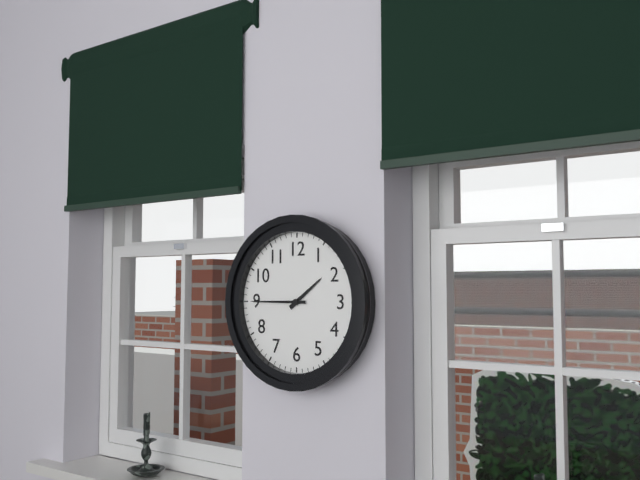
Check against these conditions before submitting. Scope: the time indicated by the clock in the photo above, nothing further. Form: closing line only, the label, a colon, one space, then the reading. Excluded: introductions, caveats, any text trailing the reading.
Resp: 1:45
